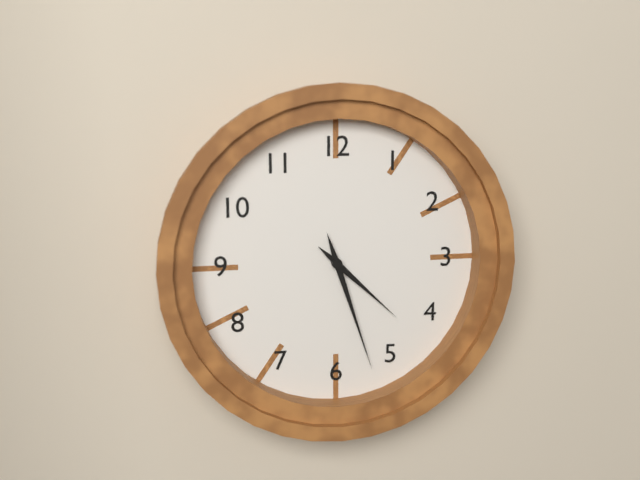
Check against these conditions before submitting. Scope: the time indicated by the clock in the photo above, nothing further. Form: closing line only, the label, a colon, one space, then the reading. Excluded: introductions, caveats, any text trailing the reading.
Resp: 4:27
